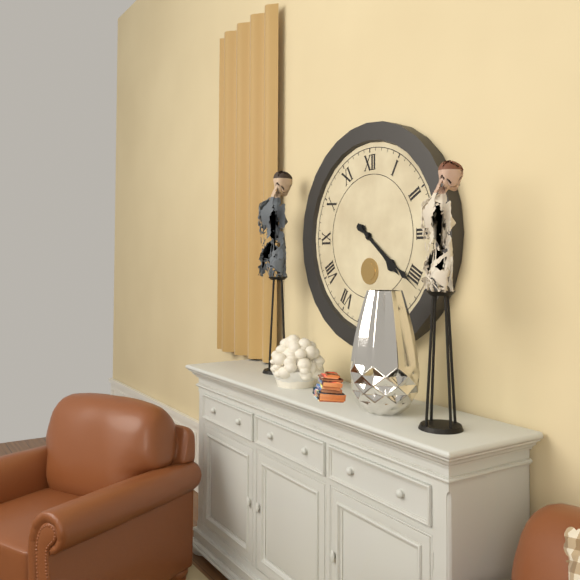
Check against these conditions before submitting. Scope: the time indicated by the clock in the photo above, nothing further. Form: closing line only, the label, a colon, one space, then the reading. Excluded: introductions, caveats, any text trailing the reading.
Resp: 4:21
